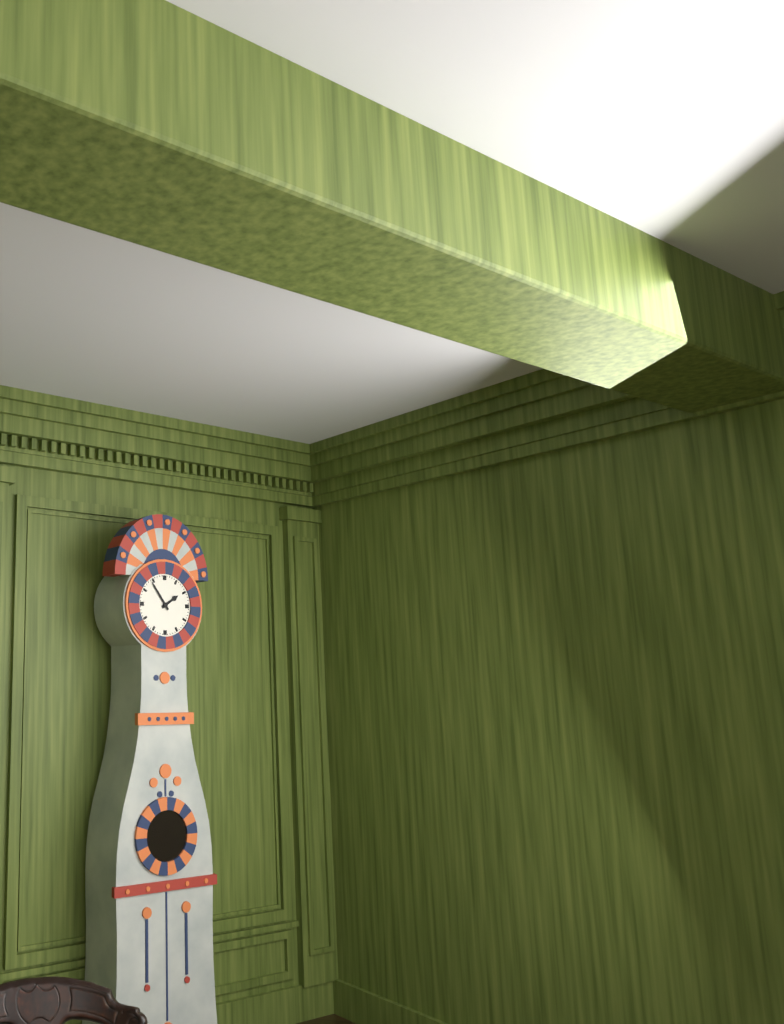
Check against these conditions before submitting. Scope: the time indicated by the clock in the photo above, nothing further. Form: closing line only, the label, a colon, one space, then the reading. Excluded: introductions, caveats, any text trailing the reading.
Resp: 1:54
